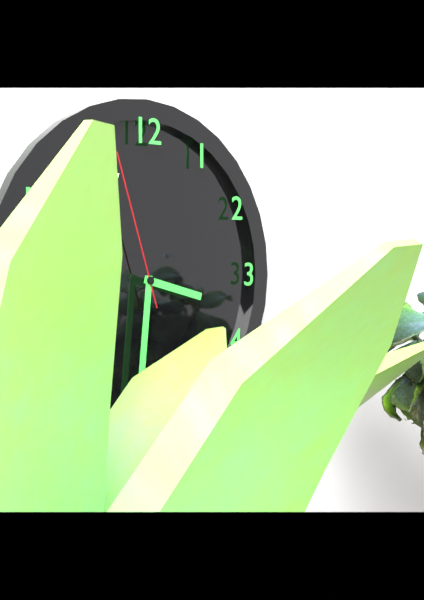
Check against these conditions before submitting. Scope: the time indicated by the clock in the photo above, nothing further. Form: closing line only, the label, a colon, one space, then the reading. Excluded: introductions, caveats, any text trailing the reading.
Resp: 3:31:57
